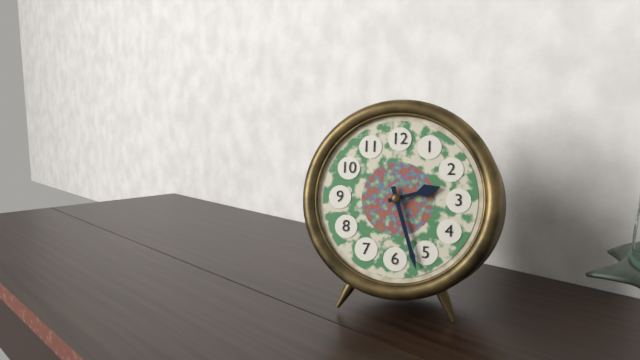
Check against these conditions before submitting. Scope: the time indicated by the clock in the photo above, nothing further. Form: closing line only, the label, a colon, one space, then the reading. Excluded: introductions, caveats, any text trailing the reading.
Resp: 2:27
